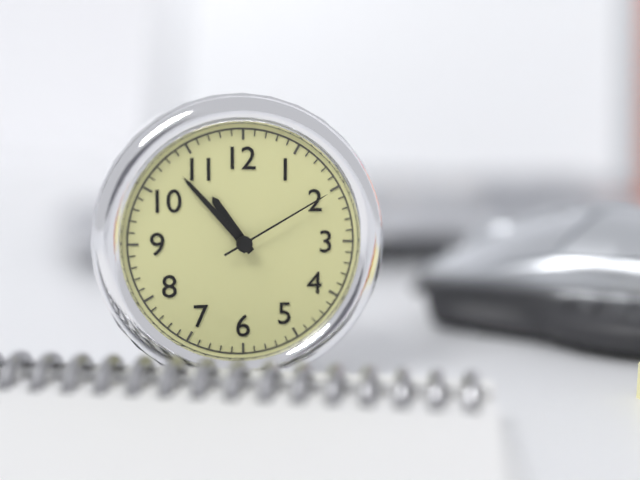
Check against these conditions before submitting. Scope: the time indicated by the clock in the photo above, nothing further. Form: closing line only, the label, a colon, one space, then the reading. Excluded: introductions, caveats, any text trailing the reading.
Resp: 10:53:10
